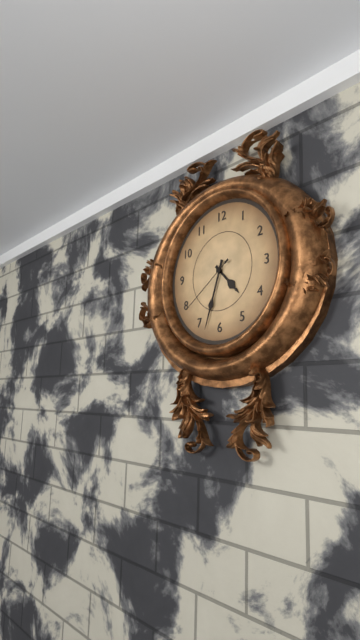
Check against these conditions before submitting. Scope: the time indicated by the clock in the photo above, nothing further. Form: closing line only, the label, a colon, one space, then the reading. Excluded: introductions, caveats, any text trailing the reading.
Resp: 4:33:39
